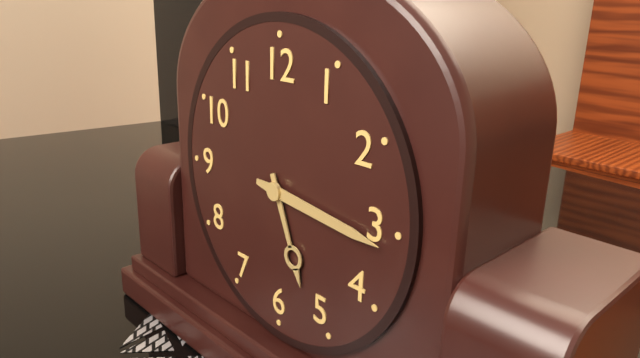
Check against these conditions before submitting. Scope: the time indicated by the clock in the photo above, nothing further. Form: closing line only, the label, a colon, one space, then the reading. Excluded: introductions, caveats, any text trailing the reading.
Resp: 5:16
